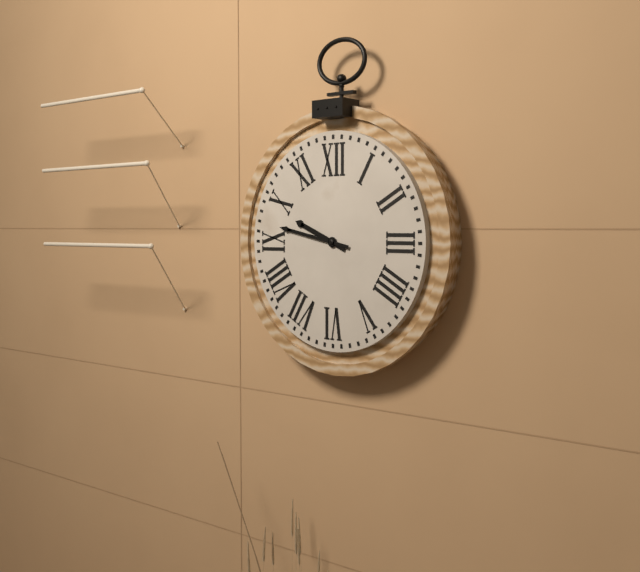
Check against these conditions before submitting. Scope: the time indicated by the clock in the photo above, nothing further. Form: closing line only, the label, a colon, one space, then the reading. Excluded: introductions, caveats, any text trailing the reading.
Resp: 9:47
